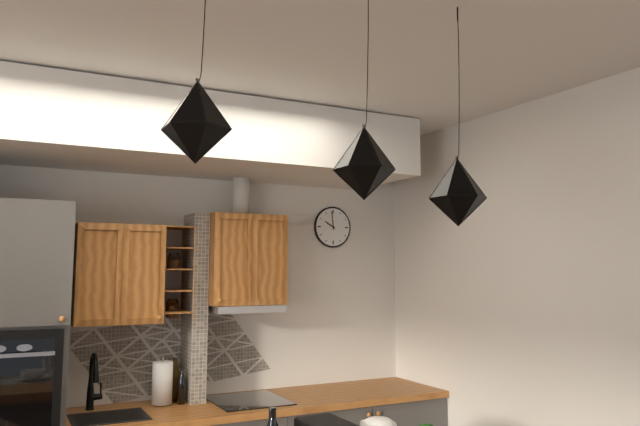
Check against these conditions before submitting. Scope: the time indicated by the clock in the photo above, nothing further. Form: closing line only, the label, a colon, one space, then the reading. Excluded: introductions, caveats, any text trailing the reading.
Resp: 9:59
